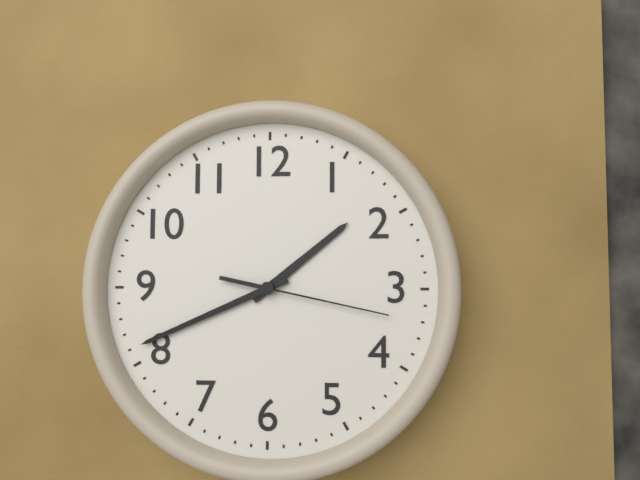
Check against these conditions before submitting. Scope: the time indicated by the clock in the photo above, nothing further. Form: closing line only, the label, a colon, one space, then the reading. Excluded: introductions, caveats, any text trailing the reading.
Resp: 1:41:17
